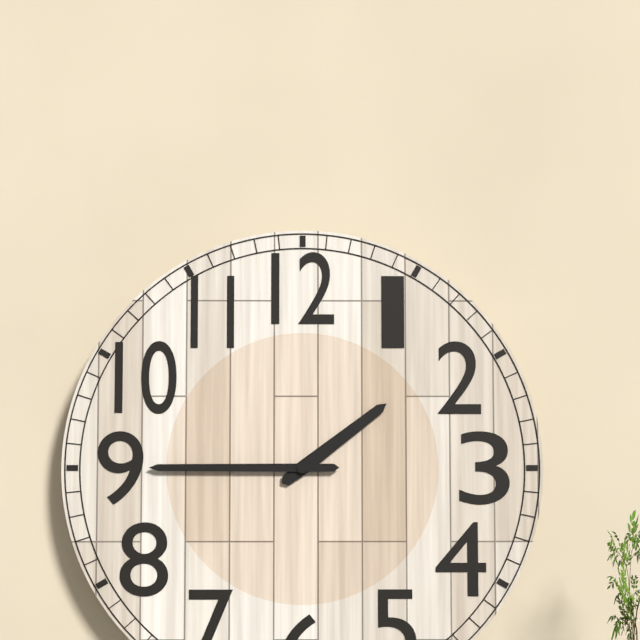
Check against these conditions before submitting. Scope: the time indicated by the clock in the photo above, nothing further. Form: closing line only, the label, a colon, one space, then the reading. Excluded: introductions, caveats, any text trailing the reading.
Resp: 1:45
